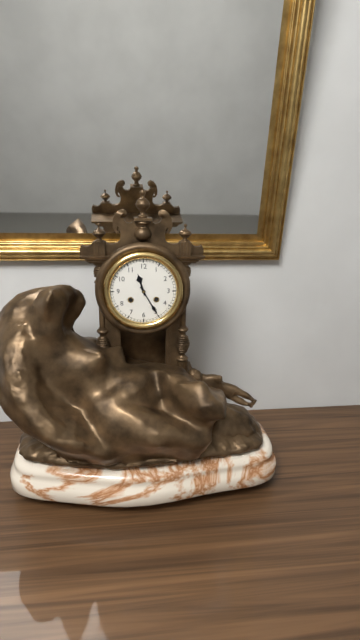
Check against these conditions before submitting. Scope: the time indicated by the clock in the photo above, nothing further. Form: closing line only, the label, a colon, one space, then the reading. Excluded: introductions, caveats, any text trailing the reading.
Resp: 11:25
